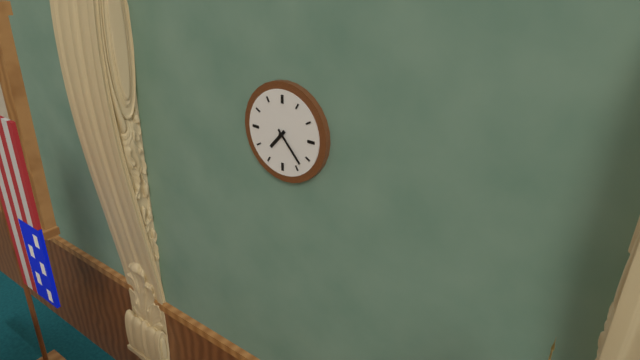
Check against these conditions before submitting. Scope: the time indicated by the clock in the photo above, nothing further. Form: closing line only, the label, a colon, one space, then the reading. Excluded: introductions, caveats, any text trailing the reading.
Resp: 7:23
